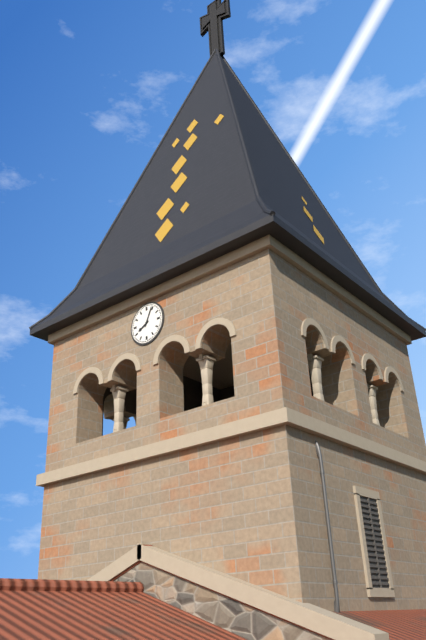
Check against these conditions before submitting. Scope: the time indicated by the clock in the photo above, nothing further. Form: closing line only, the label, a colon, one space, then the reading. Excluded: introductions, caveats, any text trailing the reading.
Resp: 8:04
